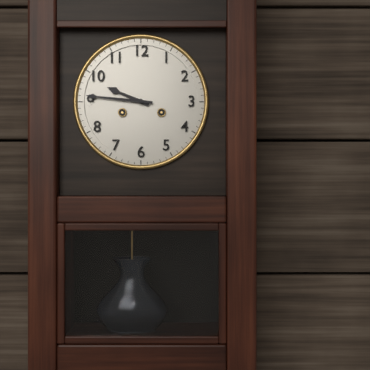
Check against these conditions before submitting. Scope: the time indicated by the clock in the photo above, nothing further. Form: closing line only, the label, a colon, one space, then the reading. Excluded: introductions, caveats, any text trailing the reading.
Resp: 9:46
